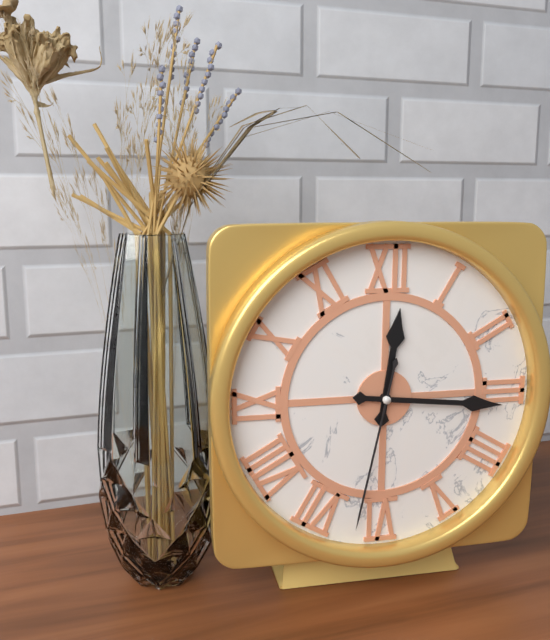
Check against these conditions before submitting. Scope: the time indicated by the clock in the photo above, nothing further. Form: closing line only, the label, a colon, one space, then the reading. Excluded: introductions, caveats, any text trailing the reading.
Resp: 12:16:32
